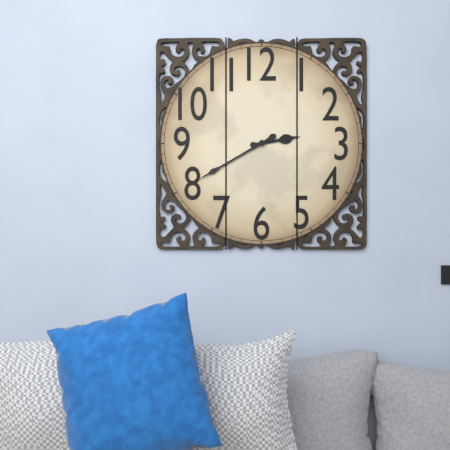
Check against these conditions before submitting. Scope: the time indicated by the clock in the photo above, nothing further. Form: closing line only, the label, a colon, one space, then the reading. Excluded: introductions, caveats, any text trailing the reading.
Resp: 2:40
